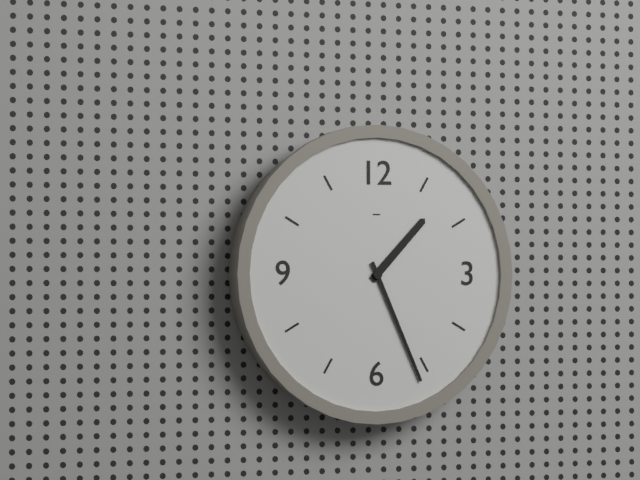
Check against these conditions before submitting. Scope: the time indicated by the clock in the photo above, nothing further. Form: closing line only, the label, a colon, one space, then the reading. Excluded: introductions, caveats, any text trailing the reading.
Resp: 1:26
